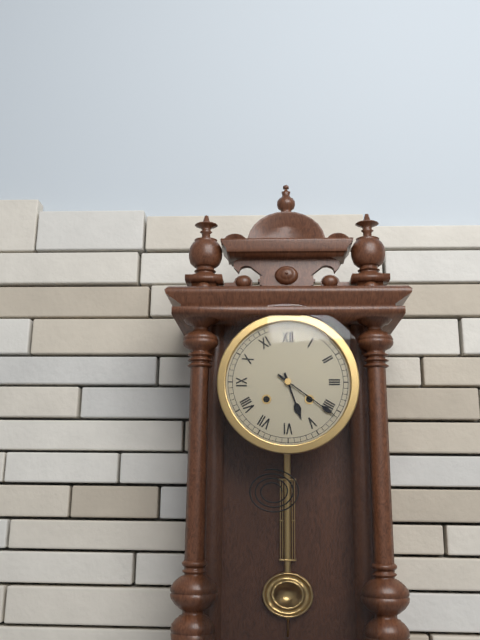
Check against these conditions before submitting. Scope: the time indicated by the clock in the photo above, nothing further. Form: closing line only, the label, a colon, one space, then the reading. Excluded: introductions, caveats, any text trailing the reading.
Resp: 5:21
